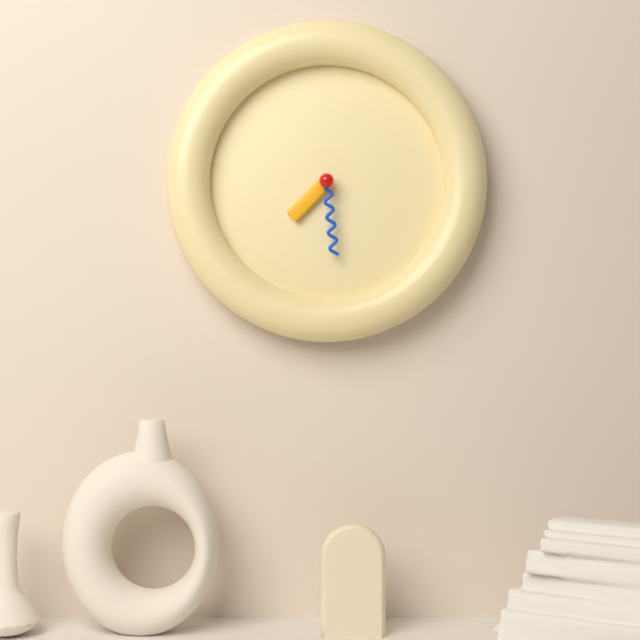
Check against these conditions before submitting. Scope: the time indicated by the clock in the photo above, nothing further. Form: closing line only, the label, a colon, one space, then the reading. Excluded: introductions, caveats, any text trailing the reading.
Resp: 7:29
